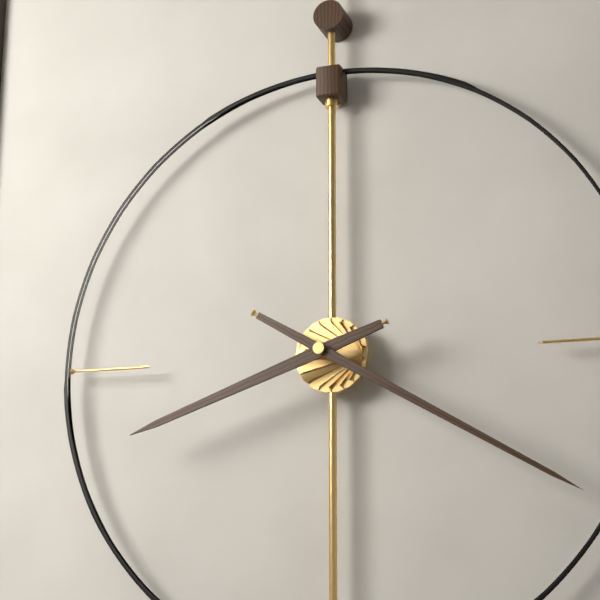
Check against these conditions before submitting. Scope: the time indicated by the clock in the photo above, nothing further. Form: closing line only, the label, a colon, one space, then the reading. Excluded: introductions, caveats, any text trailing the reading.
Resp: 8:20
